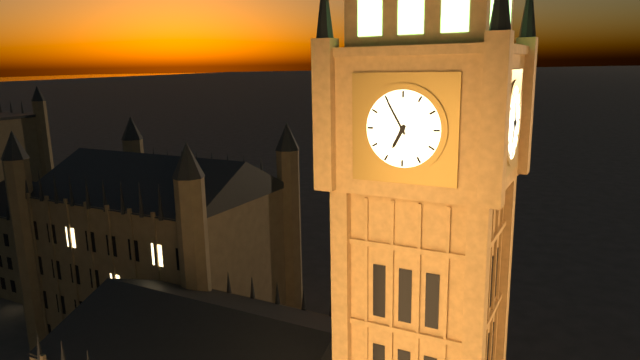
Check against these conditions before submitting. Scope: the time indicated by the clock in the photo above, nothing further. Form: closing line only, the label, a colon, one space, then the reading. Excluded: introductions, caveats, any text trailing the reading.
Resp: 6:55
